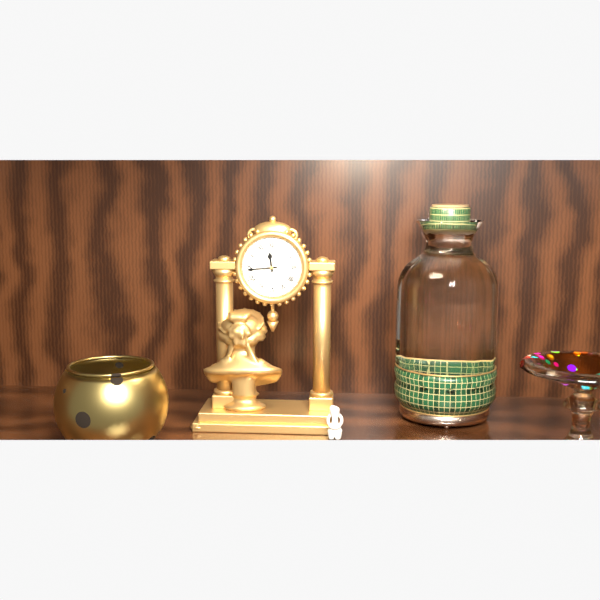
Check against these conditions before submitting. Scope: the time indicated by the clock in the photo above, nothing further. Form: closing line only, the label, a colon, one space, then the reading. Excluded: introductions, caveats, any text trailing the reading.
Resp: 11:44
